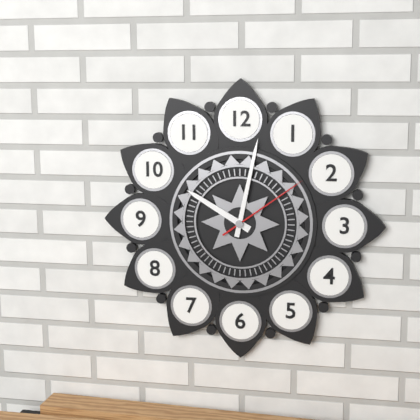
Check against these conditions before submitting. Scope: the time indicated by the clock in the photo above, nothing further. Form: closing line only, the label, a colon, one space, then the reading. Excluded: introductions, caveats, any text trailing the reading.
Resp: 10:02:09
